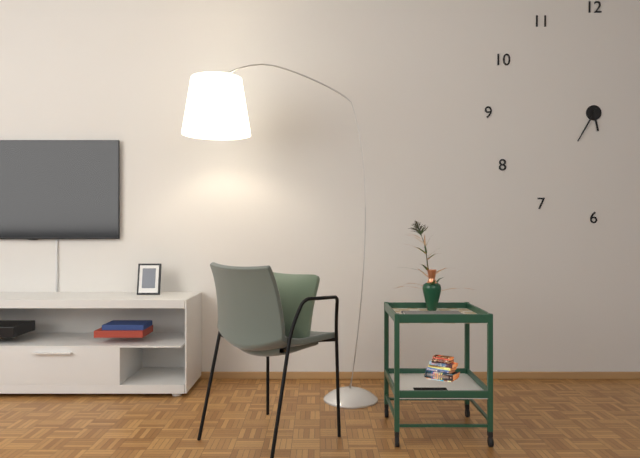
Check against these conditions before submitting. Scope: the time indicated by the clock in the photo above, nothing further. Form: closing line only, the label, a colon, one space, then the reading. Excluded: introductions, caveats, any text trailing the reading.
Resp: 5:35
